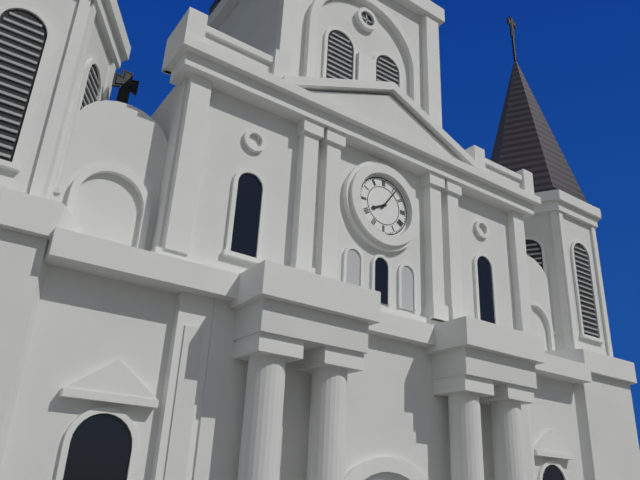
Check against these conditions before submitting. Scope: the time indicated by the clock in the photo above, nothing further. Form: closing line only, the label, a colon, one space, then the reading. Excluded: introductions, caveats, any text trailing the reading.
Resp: 8:06
